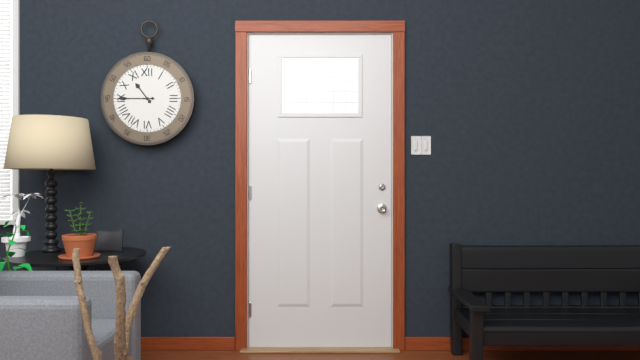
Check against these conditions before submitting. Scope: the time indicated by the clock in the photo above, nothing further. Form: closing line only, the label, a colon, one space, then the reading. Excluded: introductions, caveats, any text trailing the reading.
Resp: 10:45
